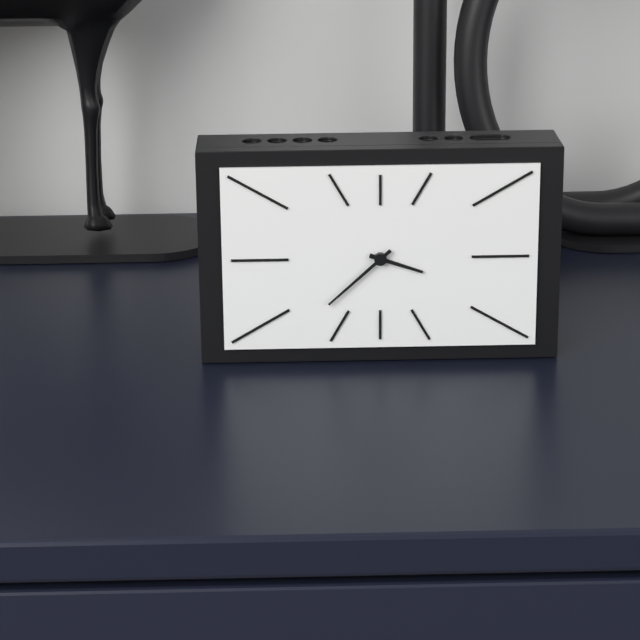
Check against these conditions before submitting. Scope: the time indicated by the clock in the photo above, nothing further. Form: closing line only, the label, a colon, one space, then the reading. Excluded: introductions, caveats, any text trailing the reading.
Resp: 3:38
